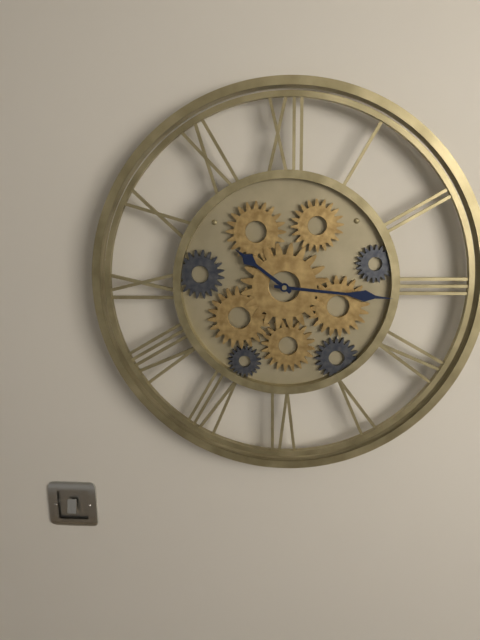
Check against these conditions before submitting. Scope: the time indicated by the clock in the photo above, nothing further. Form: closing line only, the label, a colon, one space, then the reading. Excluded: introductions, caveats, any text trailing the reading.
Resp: 10:16
